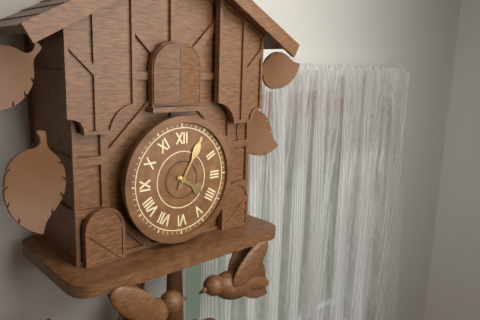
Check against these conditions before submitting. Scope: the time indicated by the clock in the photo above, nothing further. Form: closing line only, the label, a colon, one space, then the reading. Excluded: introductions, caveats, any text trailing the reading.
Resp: 4:05
